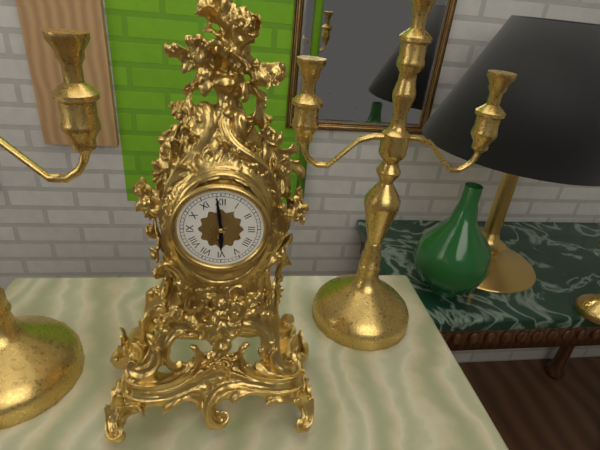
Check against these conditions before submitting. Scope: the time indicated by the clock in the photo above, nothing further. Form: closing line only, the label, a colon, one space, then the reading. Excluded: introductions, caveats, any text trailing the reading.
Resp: 5:59
